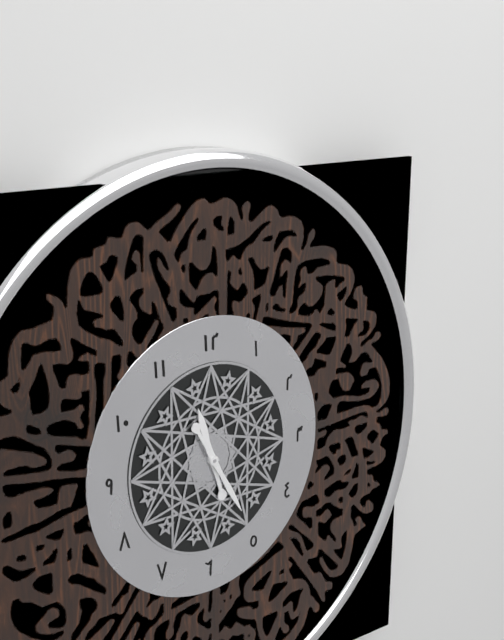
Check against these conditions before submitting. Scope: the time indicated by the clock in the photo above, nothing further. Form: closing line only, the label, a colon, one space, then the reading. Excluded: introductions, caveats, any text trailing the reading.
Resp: 11:25
